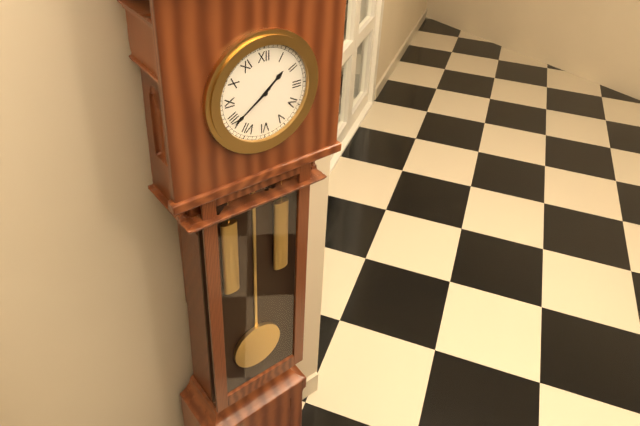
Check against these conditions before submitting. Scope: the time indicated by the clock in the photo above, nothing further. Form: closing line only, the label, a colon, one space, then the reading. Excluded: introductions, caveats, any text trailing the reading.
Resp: 1:39
